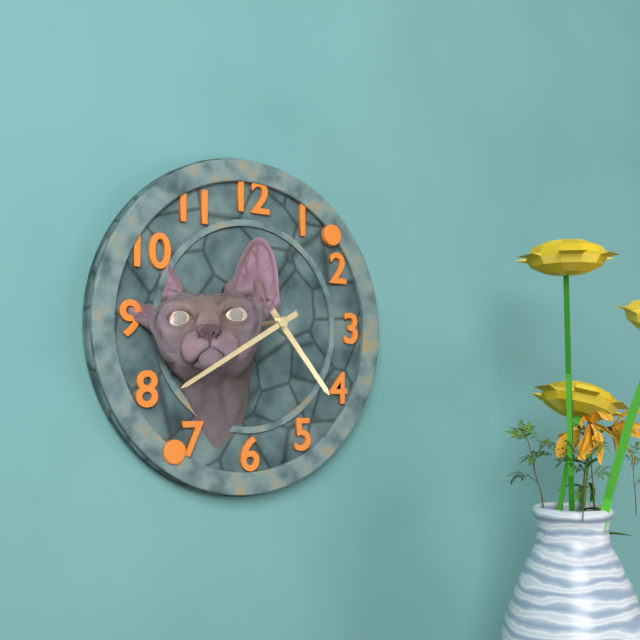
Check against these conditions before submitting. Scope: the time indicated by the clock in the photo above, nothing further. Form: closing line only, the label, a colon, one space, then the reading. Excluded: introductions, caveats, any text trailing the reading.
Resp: 4:40
